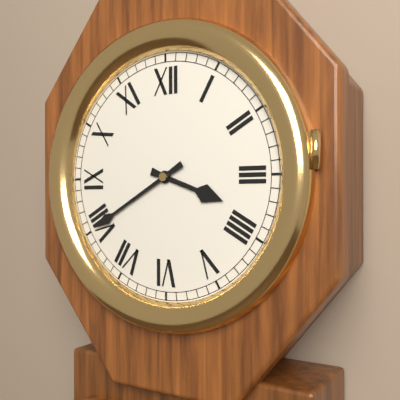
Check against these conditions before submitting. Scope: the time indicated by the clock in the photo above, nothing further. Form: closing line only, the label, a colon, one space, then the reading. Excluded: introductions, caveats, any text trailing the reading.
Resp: 3:40
